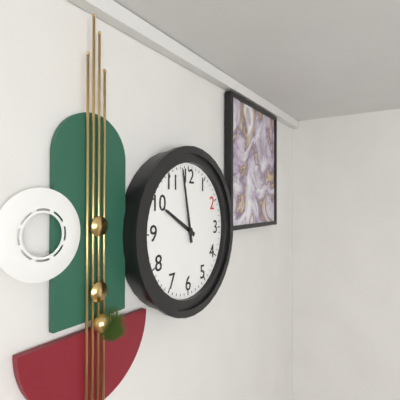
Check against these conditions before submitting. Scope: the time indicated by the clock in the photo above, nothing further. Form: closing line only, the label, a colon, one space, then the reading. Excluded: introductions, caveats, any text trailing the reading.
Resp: 9:58
